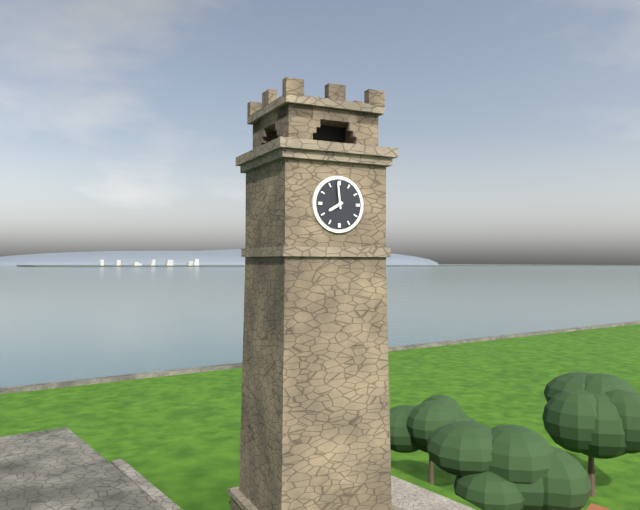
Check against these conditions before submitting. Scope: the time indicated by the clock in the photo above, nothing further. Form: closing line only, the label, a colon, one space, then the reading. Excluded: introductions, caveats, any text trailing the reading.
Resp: 7:59
